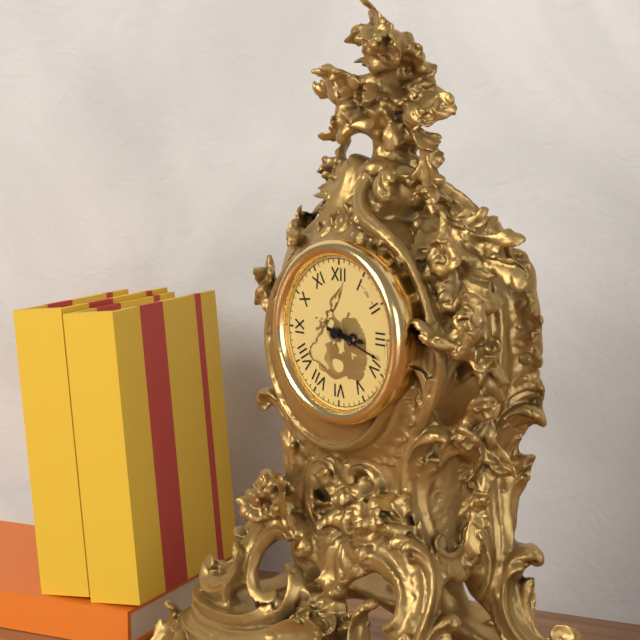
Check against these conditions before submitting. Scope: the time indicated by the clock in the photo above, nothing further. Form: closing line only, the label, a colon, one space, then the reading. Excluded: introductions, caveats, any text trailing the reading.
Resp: 3:18
